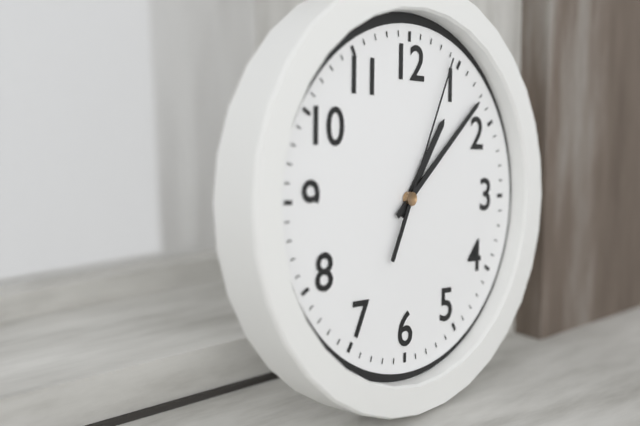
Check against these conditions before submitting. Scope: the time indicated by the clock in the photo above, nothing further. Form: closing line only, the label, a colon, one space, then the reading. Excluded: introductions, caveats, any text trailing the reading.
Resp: 1:08:04
